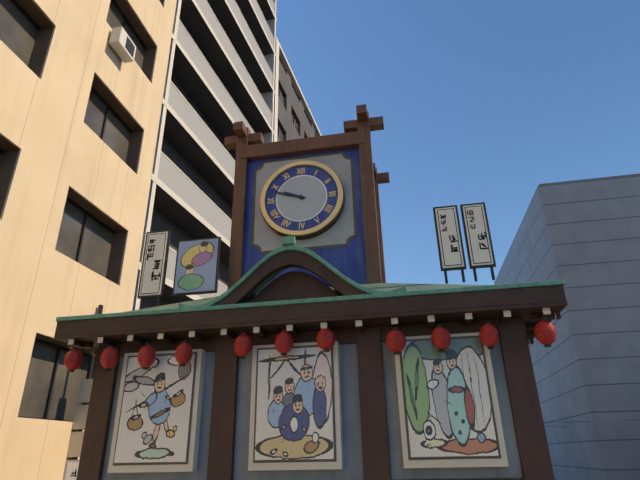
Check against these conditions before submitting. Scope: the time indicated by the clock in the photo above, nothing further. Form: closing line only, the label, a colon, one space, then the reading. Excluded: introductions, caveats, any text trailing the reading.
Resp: 9:48
